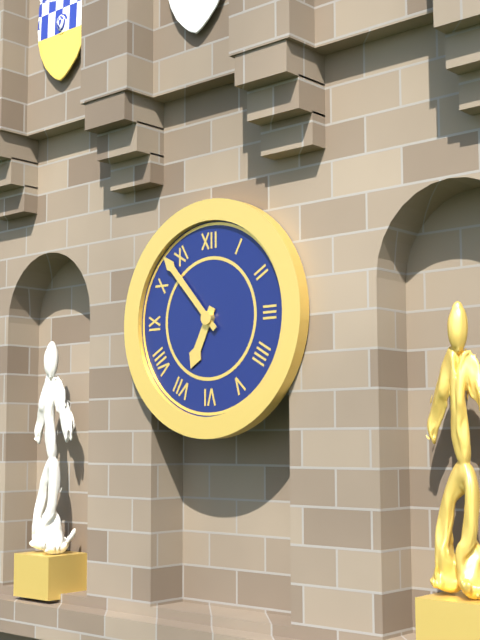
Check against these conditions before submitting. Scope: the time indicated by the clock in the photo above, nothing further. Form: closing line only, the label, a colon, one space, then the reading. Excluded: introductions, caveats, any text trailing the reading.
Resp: 6:53
